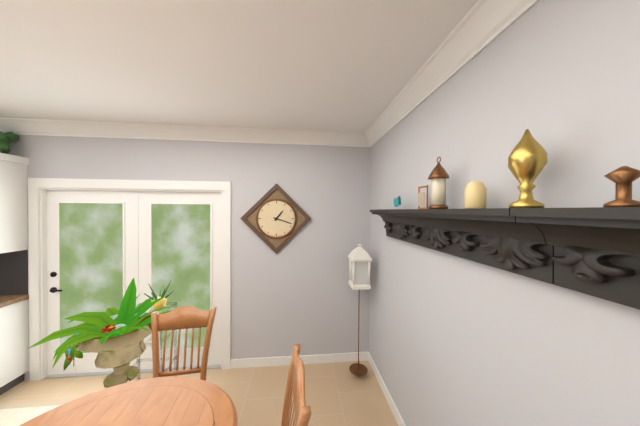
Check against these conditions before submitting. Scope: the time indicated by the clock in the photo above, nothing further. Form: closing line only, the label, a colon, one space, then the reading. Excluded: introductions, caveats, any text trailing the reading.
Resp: 1:18
